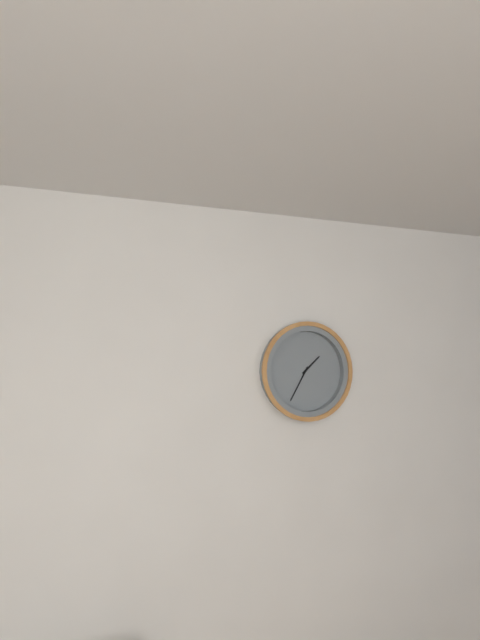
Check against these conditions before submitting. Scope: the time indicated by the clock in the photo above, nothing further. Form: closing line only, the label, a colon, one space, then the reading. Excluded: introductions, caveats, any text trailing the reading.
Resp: 1:35
